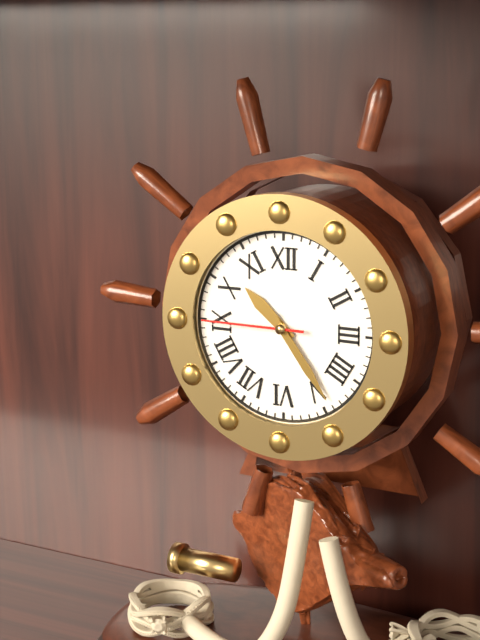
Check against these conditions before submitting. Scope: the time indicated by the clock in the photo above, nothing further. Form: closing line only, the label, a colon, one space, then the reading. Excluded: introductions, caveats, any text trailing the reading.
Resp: 10:24:45
